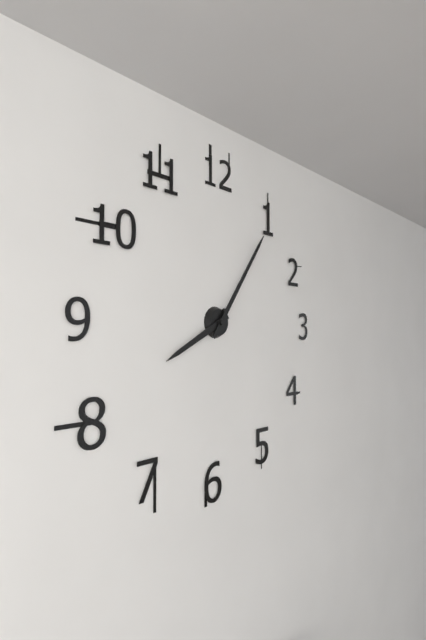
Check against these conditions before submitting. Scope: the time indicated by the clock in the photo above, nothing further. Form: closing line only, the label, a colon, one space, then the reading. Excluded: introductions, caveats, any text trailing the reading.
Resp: 8:06
